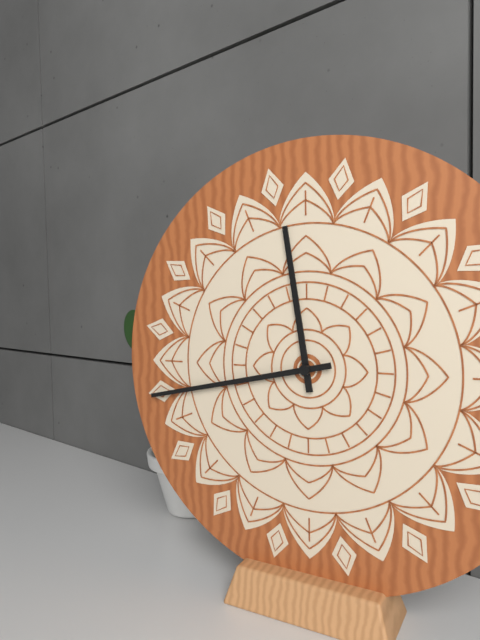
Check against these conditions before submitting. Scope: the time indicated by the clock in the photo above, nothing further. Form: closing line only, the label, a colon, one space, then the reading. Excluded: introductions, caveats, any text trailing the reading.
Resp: 11:43
